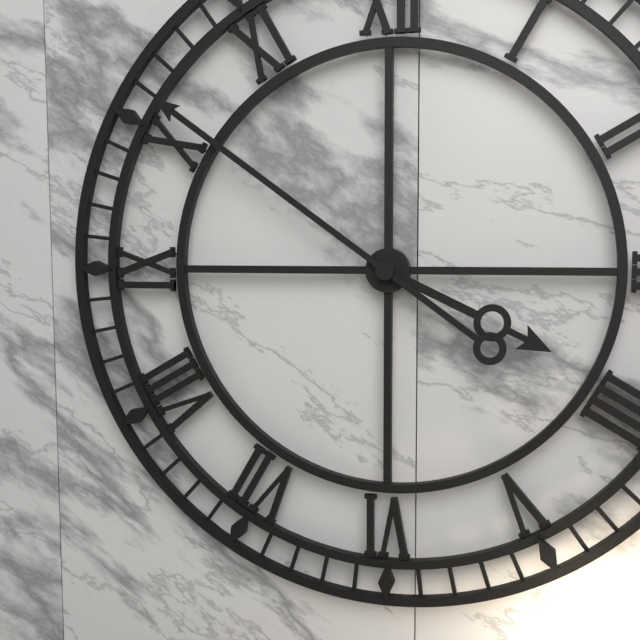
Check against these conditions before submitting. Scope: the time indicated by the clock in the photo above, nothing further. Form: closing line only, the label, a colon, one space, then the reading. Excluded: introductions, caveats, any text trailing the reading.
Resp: 3:51
